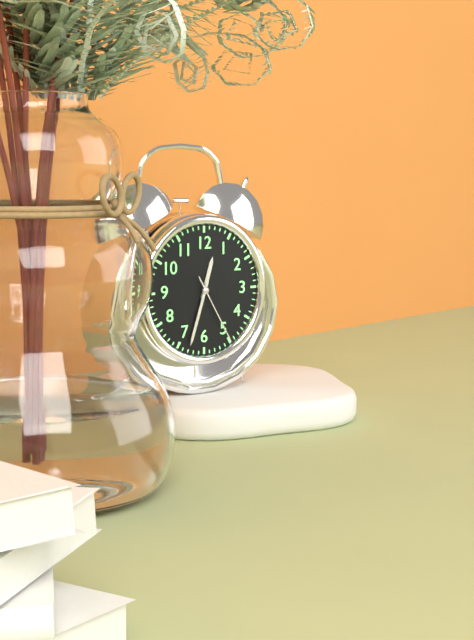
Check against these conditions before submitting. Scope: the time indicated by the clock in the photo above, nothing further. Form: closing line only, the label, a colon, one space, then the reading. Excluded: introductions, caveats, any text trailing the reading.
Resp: 12:33:25
